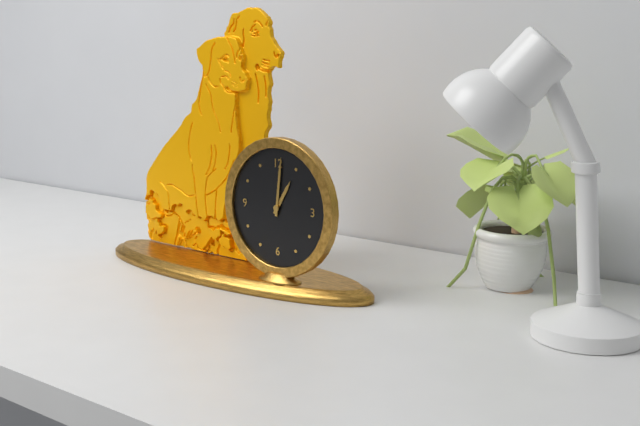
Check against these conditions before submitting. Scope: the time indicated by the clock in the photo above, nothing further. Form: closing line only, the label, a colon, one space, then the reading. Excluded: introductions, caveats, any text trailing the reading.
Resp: 1:01
